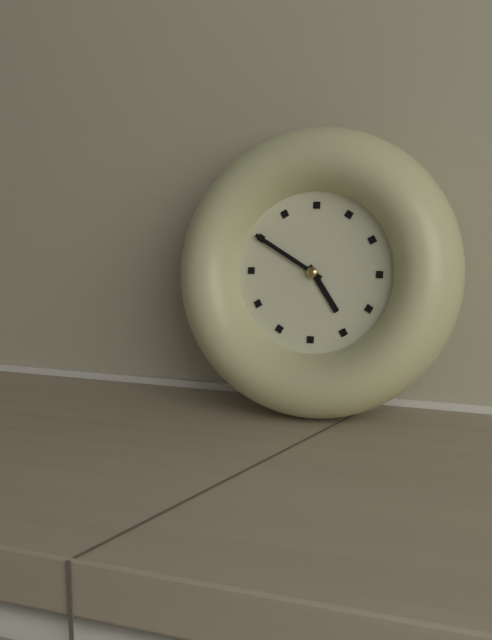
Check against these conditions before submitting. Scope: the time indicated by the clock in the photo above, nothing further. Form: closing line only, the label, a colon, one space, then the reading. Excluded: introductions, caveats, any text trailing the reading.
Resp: 4:50
